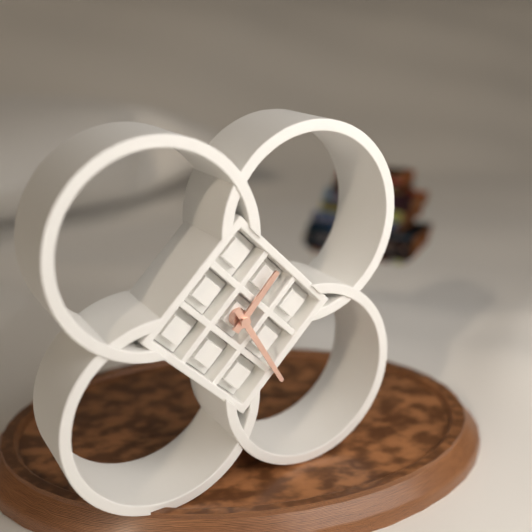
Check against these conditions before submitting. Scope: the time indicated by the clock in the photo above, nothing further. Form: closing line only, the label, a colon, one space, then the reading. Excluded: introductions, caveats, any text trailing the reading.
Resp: 1:25
